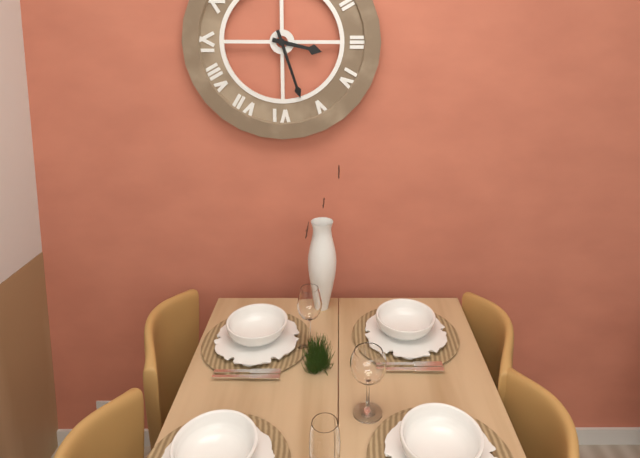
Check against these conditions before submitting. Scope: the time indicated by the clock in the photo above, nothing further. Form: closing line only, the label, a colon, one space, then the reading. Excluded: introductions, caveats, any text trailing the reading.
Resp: 3:27
